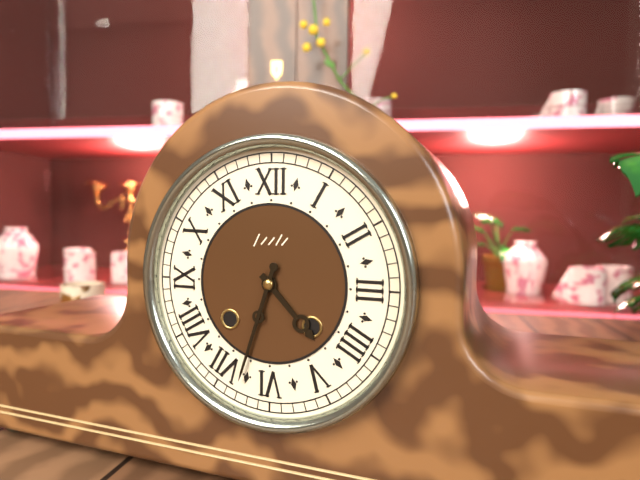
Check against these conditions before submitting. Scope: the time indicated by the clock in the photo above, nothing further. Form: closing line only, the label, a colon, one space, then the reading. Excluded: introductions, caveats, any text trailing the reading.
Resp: 4:33
